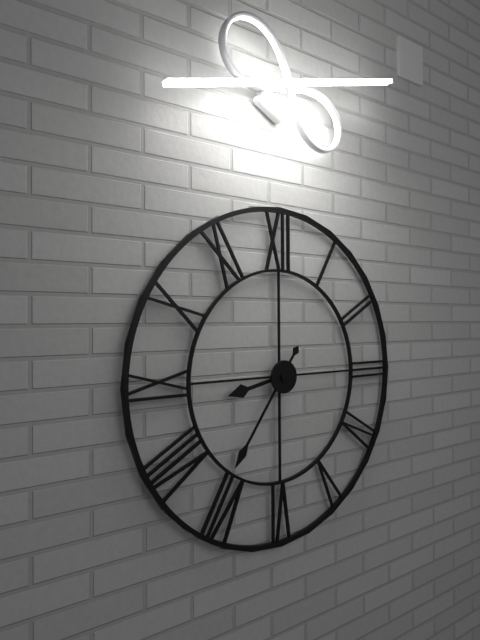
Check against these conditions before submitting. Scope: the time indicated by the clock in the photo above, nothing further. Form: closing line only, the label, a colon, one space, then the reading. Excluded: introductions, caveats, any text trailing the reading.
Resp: 8:36
